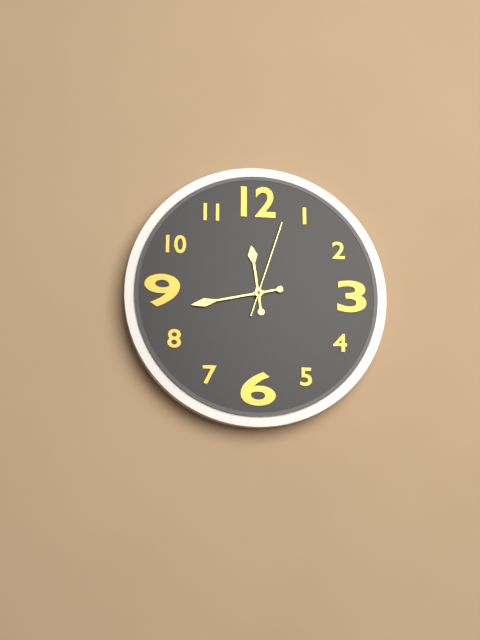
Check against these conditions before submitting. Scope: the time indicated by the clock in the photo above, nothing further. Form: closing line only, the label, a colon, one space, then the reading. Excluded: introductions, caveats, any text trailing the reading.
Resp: 11:43:03
